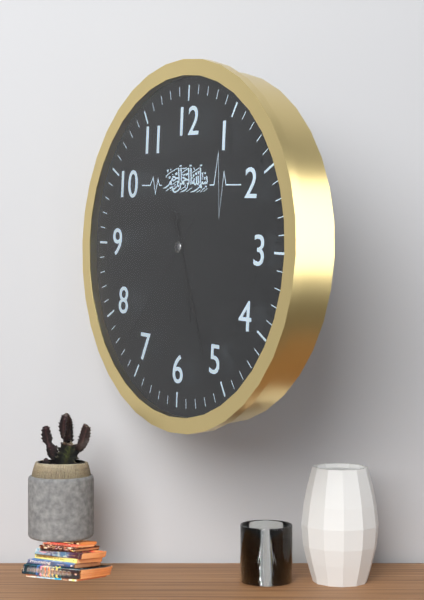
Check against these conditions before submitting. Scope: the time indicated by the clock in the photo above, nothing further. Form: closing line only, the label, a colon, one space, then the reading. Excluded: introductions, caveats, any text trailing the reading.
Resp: 5:26:37
